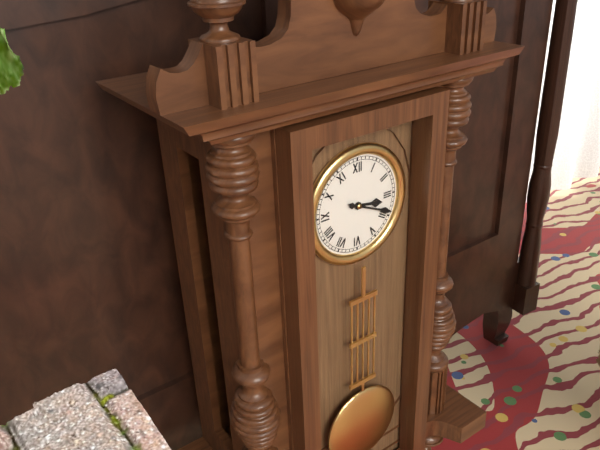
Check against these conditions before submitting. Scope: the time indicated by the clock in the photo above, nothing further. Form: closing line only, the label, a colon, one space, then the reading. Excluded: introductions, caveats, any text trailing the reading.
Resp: 3:19
